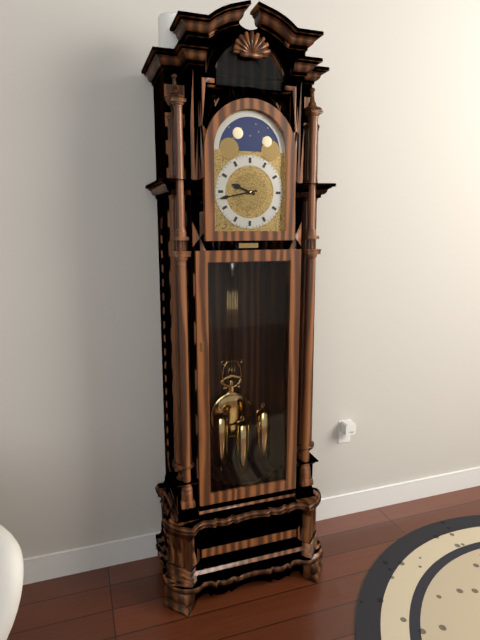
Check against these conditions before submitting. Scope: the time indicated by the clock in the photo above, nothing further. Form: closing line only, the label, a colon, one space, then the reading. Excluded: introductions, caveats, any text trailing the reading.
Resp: 9:43
